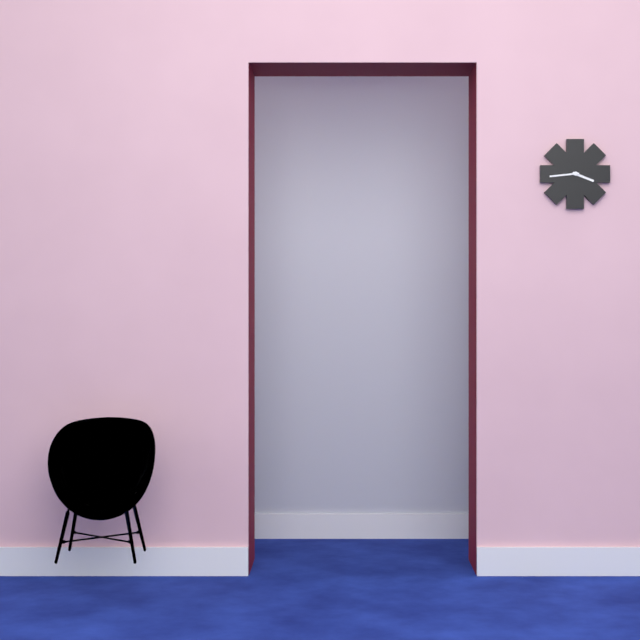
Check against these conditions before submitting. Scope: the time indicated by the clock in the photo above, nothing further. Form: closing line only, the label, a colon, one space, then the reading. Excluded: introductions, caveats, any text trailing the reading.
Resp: 3:44
